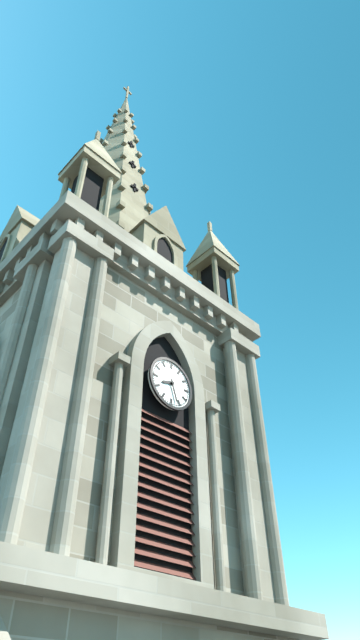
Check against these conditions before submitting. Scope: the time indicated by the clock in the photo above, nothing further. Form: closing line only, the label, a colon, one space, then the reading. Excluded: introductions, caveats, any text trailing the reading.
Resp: 8:27
